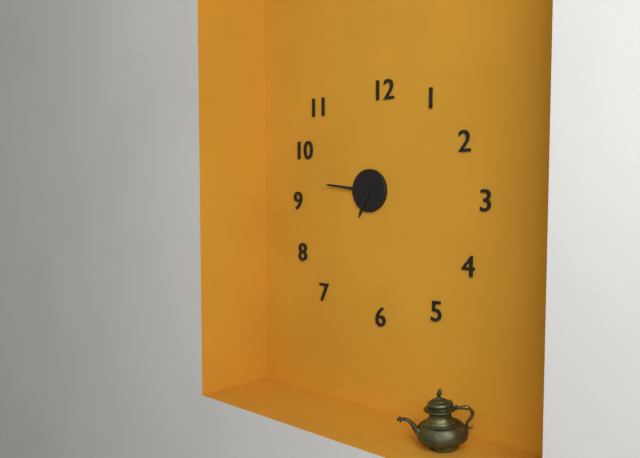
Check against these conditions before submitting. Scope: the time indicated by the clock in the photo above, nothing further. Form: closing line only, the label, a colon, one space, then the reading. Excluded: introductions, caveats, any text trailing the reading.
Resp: 6:46
